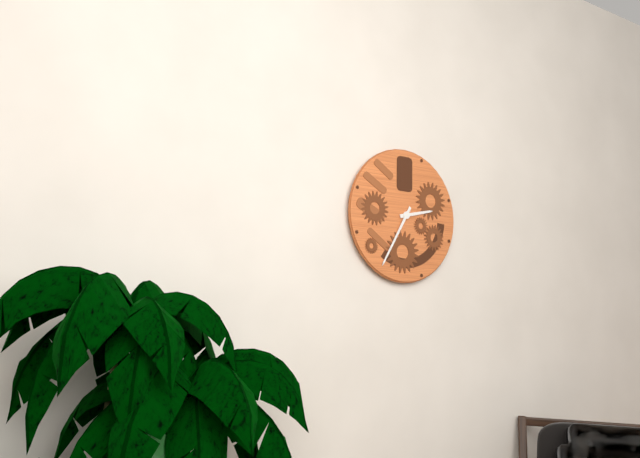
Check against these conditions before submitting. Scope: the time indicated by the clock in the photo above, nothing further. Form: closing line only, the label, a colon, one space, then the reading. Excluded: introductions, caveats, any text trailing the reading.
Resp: 2:35
